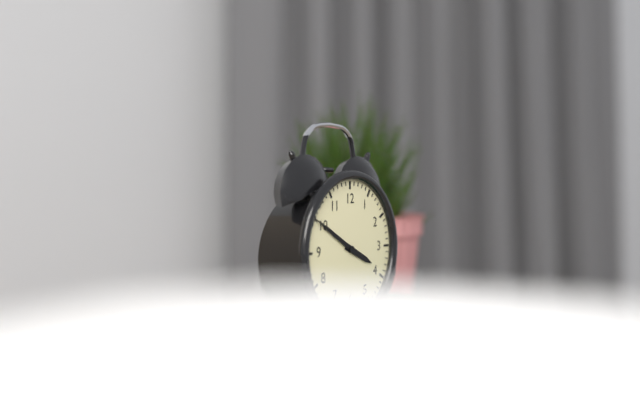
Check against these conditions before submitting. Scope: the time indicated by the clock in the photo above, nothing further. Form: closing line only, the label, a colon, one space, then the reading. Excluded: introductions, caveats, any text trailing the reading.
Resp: 3:50
